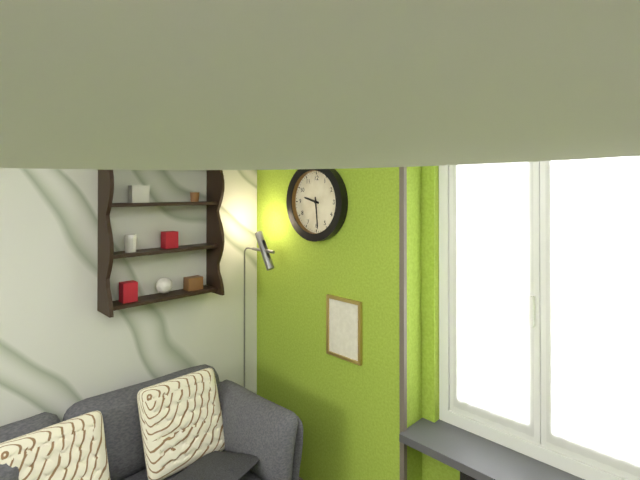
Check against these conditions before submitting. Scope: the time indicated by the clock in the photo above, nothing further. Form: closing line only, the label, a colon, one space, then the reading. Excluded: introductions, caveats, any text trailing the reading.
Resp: 9:29
